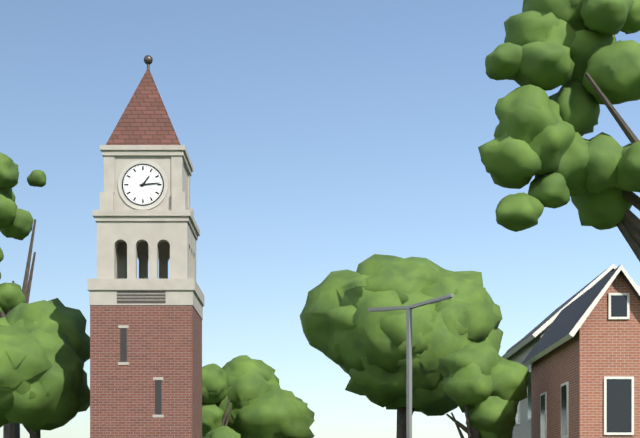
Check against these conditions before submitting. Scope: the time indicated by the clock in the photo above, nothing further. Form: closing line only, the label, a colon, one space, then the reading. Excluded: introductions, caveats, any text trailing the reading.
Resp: 1:14
